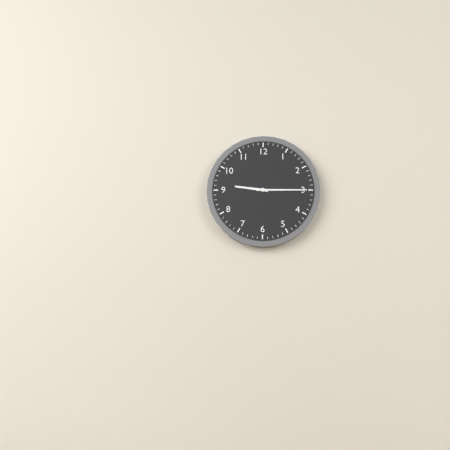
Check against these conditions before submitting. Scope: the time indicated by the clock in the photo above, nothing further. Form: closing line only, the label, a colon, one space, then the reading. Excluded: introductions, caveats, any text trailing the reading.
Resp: 9:15
